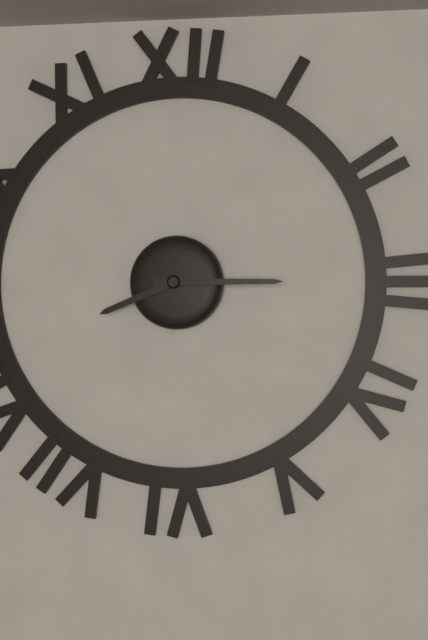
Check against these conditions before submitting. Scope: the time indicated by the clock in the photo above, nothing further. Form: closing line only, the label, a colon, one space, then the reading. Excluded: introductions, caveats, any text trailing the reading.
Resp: 8:15
